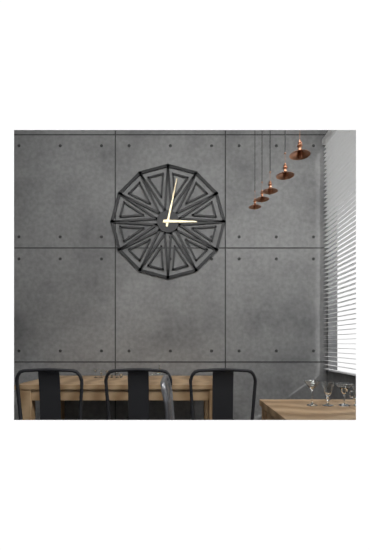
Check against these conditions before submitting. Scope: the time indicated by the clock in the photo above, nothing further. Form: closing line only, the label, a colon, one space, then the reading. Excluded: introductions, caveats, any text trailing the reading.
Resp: 3:02
